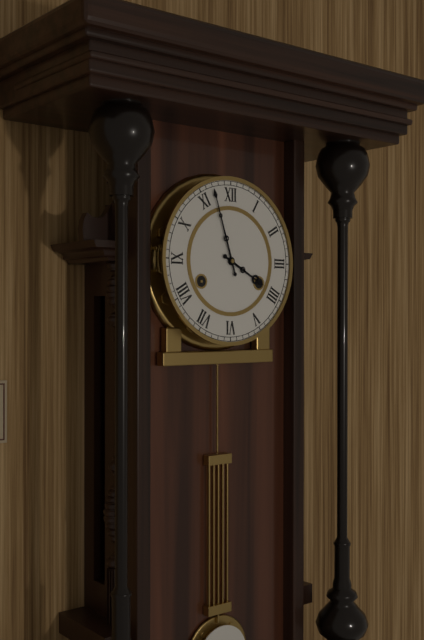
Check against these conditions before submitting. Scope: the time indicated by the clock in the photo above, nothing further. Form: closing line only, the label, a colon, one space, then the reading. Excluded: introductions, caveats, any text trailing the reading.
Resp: 3:57
